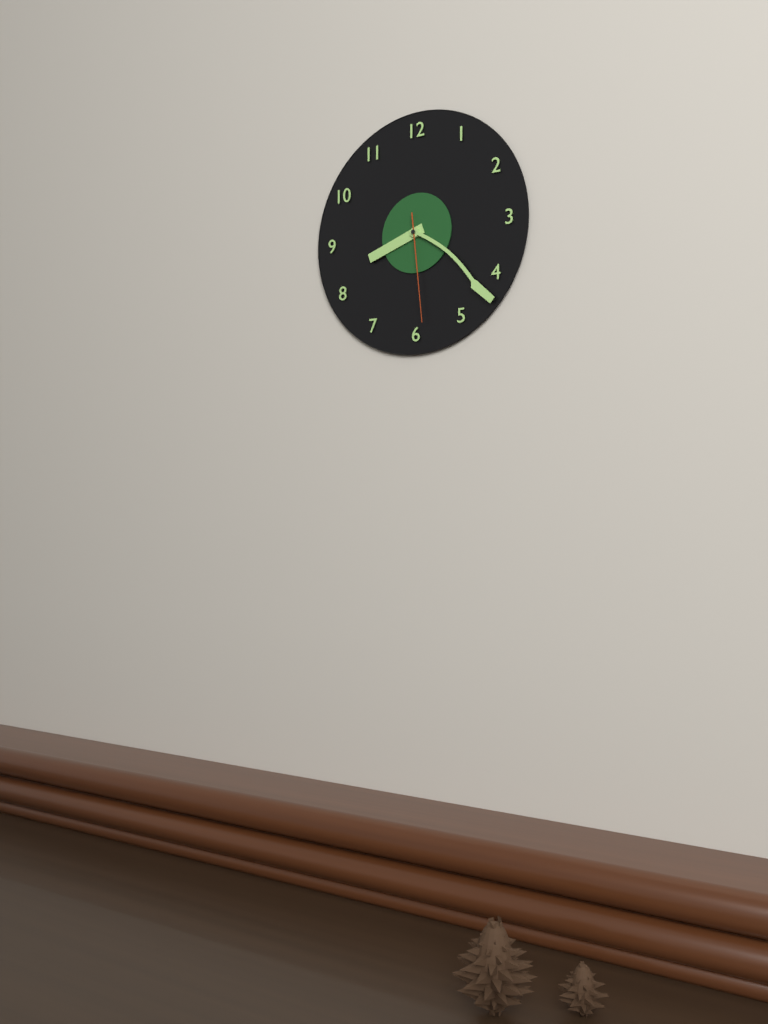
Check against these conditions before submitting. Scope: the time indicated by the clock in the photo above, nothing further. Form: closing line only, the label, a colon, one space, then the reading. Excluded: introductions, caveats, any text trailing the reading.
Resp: 8:22:29
